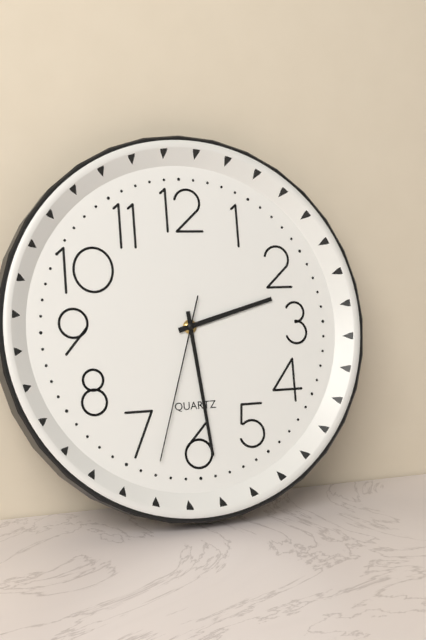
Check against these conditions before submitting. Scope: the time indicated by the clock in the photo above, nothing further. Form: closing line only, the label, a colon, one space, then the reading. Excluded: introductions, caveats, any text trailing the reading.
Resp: 2:29:33
